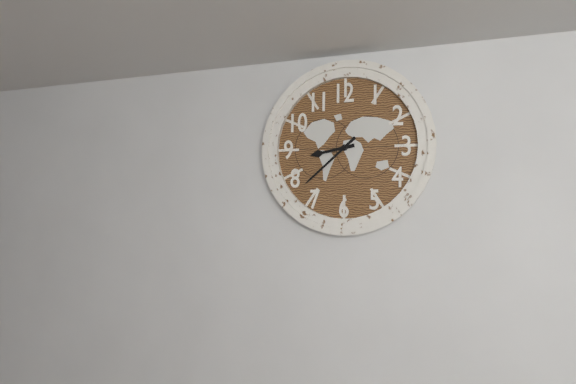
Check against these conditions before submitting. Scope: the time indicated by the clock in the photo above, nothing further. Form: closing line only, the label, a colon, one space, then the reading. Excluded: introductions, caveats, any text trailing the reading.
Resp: 8:38
